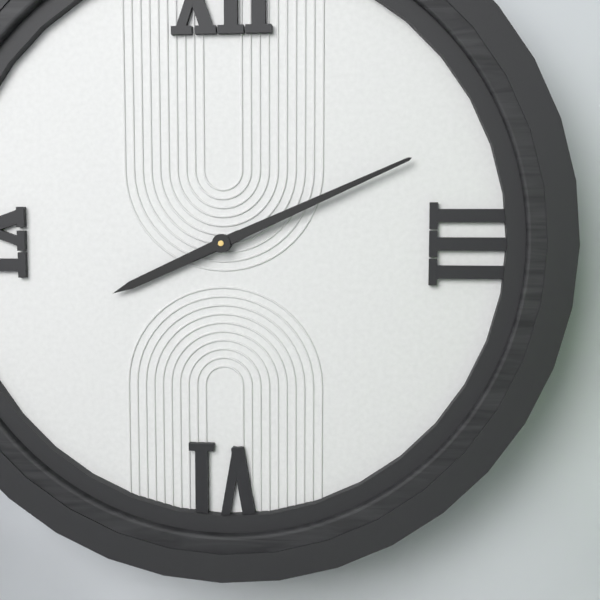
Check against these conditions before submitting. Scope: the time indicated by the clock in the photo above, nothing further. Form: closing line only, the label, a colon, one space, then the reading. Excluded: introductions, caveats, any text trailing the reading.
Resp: 8:11
